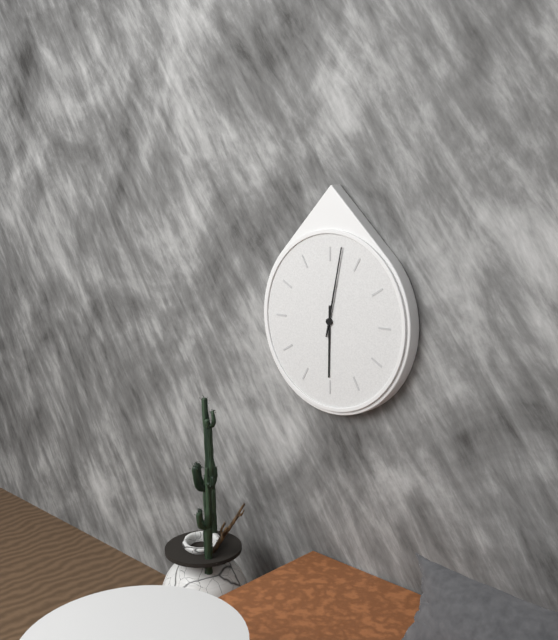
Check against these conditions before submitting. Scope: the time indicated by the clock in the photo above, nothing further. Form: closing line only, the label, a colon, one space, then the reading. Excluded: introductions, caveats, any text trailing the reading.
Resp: 6:02
